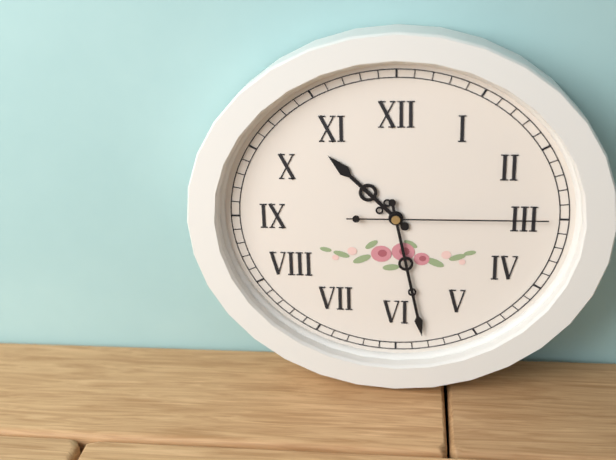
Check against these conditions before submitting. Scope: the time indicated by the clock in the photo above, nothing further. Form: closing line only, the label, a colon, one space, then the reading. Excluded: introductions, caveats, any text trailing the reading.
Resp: 10:28:15
